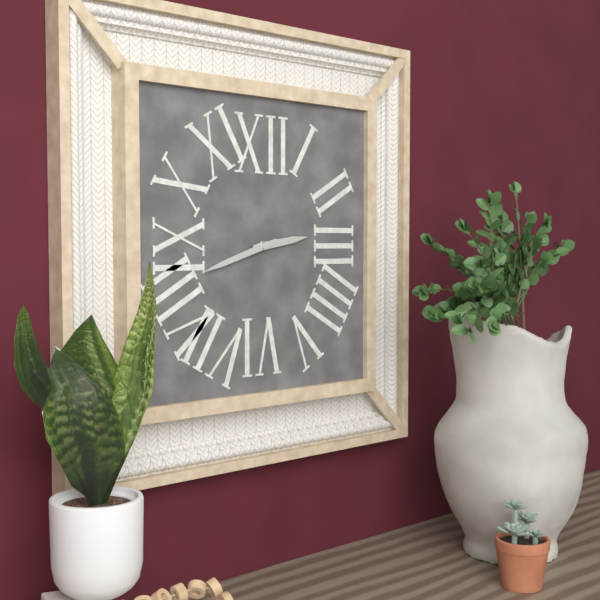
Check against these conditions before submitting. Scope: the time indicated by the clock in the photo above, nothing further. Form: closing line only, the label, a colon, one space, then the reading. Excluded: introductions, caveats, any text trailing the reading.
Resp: 2:42
